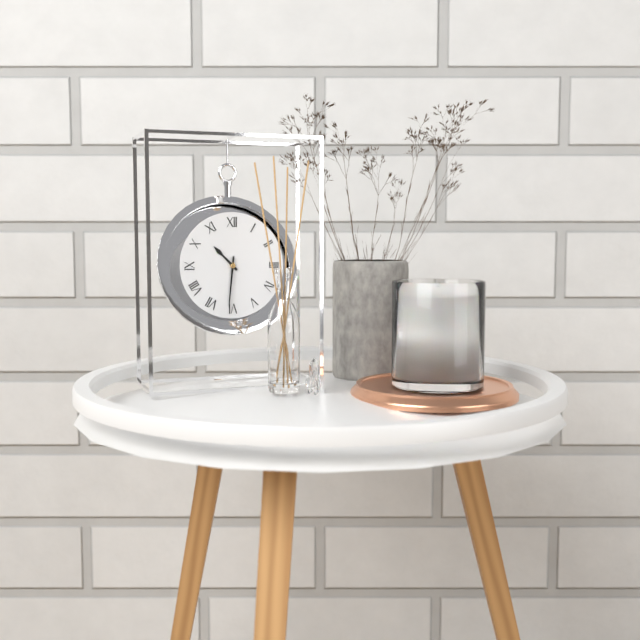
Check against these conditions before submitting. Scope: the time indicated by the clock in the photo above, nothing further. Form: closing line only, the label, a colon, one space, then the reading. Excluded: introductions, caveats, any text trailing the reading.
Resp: 10:31
